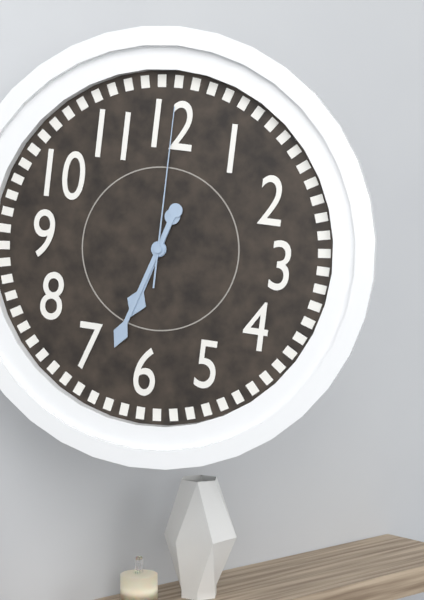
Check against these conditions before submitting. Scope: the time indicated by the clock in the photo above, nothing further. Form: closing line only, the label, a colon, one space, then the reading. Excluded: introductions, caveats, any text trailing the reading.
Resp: 6:33:00
